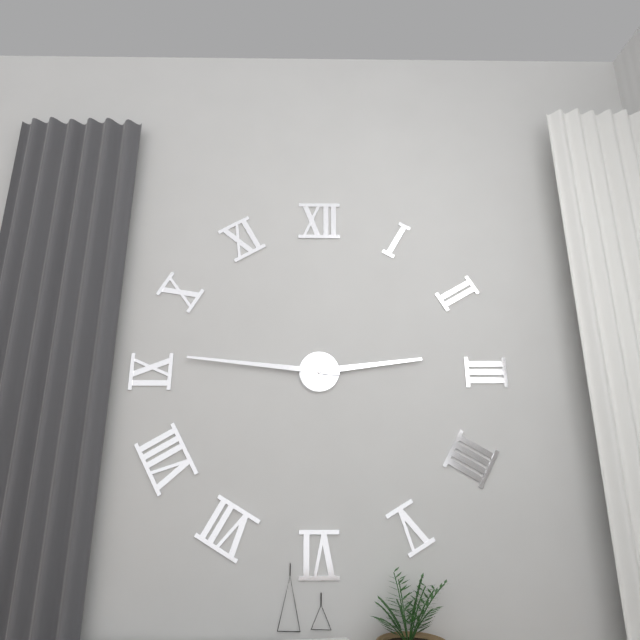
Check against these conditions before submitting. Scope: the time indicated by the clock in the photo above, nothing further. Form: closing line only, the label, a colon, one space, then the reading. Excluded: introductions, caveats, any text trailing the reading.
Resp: 2:46
